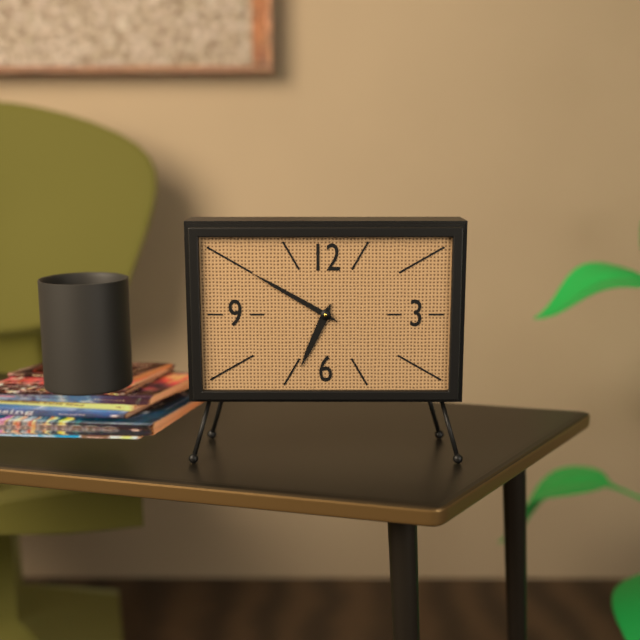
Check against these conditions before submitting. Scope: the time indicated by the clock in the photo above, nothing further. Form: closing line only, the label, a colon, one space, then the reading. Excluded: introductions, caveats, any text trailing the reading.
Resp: 6:50
